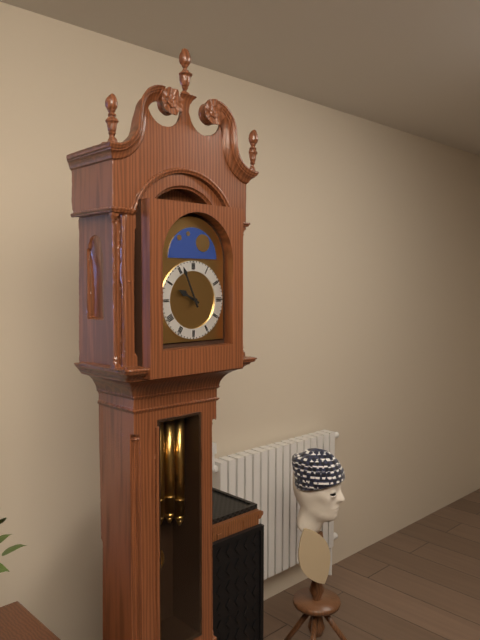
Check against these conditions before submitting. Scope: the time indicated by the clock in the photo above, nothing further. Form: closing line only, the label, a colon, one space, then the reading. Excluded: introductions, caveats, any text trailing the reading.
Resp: 9:56
